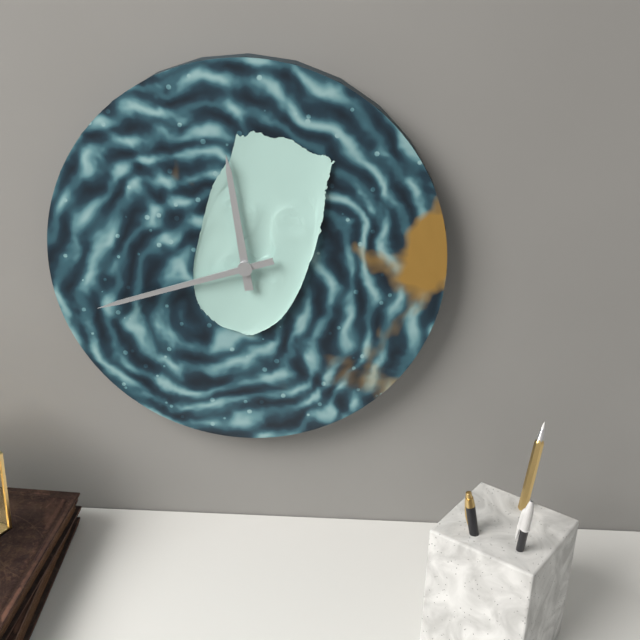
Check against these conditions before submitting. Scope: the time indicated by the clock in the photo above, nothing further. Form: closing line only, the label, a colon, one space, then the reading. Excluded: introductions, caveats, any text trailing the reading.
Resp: 11:42
